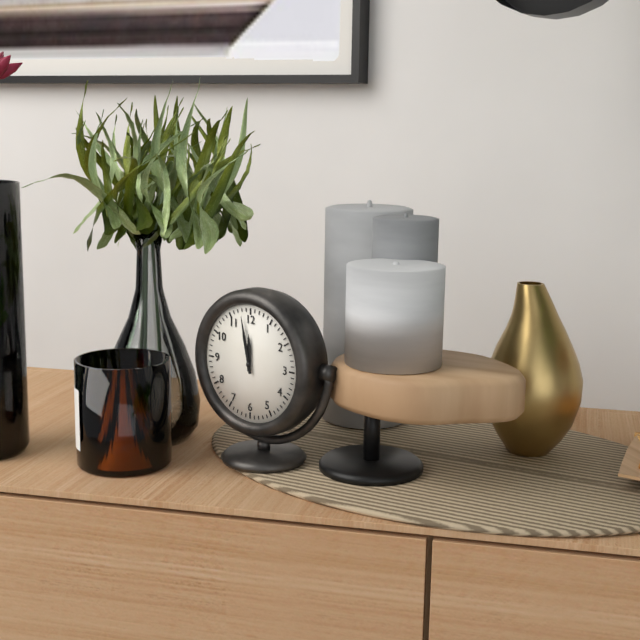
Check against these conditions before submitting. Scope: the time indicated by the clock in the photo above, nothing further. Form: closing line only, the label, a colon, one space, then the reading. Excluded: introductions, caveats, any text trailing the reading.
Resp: 11:58
